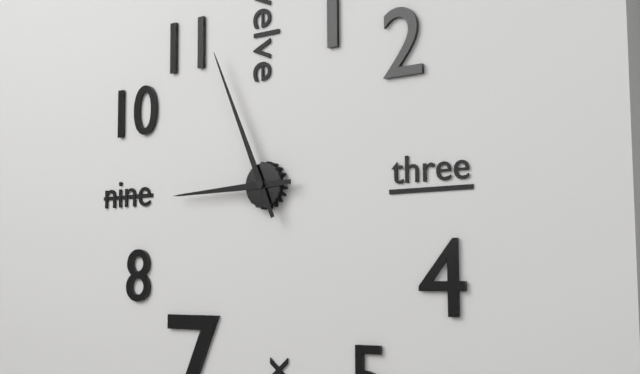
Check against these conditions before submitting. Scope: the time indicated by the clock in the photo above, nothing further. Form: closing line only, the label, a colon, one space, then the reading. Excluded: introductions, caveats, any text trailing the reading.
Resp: 8:56
